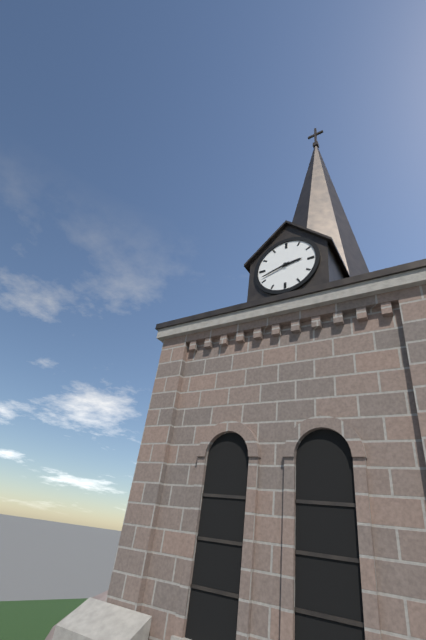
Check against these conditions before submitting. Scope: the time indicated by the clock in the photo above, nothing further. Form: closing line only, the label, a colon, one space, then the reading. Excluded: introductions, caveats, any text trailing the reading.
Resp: 2:42
